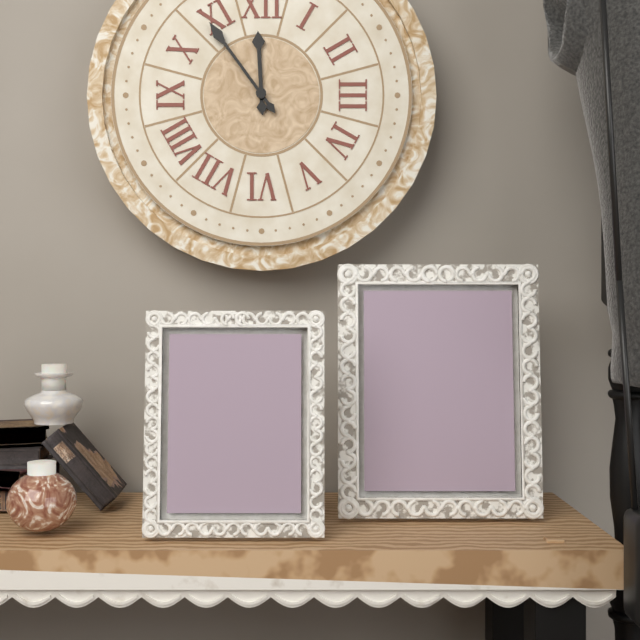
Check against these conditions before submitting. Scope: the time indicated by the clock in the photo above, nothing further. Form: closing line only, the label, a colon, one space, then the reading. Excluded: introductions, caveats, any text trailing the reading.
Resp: 11:54
